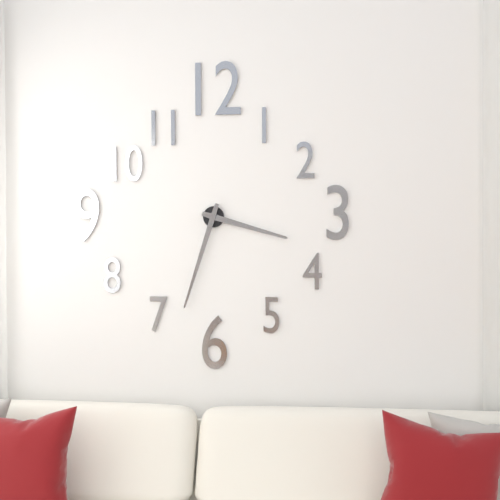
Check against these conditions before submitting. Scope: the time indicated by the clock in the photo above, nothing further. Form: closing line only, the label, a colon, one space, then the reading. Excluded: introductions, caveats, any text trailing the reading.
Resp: 3:33
